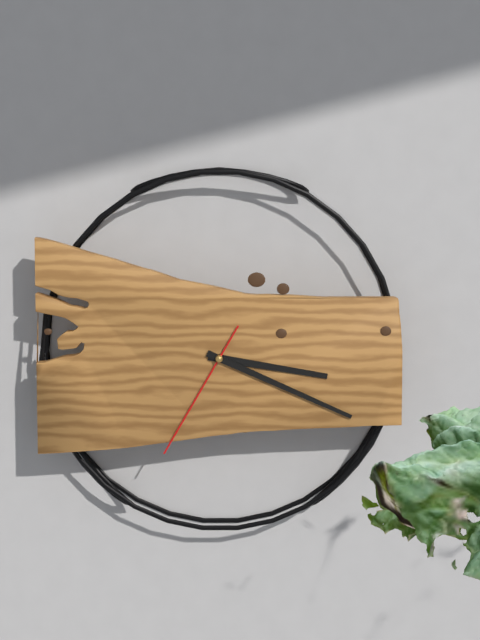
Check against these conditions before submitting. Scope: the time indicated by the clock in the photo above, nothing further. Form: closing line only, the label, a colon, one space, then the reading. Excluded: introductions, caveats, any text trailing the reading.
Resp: 3:19:35
